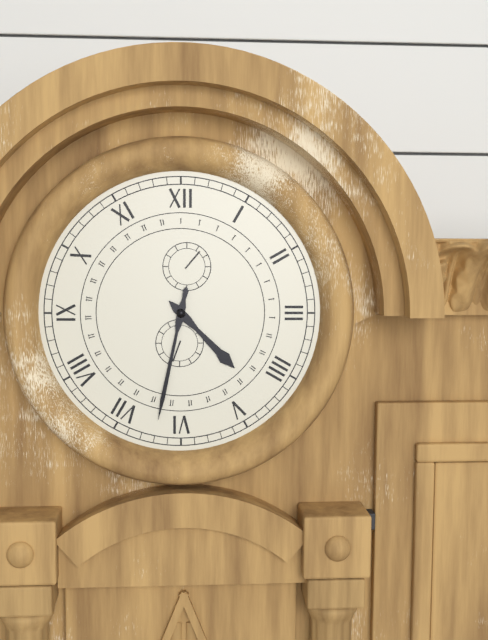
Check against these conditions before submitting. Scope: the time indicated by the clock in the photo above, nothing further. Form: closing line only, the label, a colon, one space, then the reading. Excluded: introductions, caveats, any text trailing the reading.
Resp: 4:32
